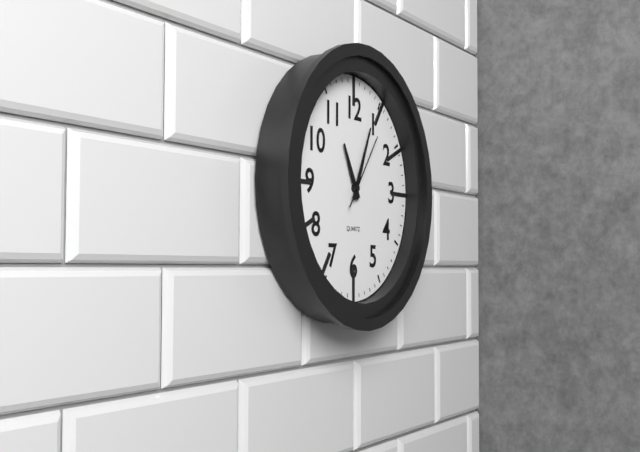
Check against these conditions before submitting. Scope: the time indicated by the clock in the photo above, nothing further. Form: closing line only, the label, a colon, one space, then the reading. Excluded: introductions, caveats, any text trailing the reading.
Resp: 11:04:06
